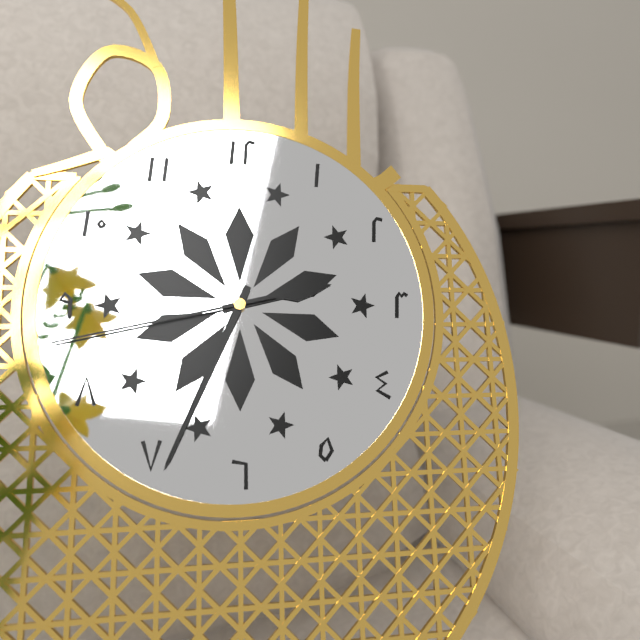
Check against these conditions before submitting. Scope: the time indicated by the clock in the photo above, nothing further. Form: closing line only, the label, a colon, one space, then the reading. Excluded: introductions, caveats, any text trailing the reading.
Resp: 2:34:43
